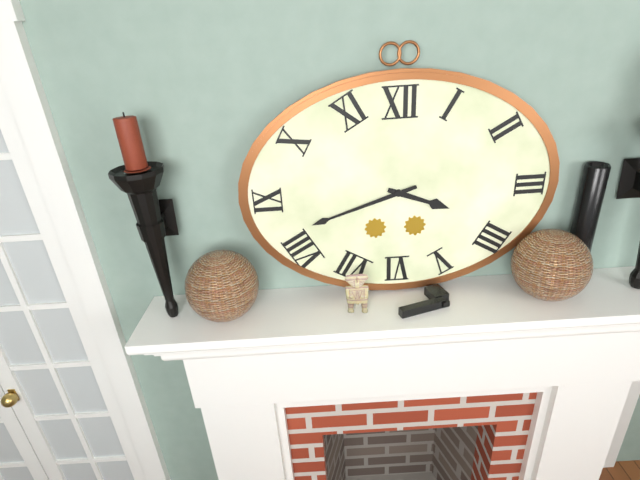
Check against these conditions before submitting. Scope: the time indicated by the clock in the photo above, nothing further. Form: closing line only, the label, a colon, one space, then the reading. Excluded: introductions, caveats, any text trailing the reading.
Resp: 3:42
